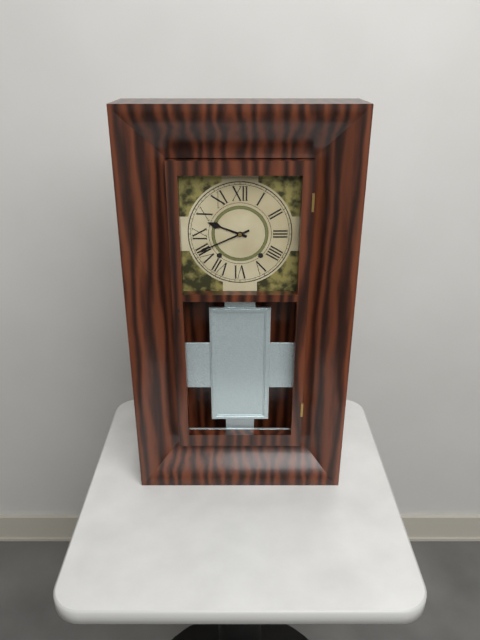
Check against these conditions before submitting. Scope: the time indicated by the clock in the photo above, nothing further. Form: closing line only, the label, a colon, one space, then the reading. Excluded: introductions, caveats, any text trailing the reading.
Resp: 9:41
